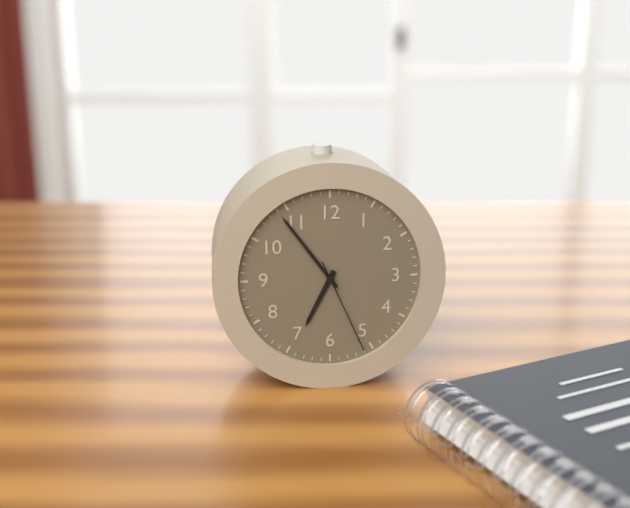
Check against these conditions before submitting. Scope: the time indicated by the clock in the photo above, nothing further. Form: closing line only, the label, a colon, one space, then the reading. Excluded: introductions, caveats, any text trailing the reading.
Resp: 6:54:26
